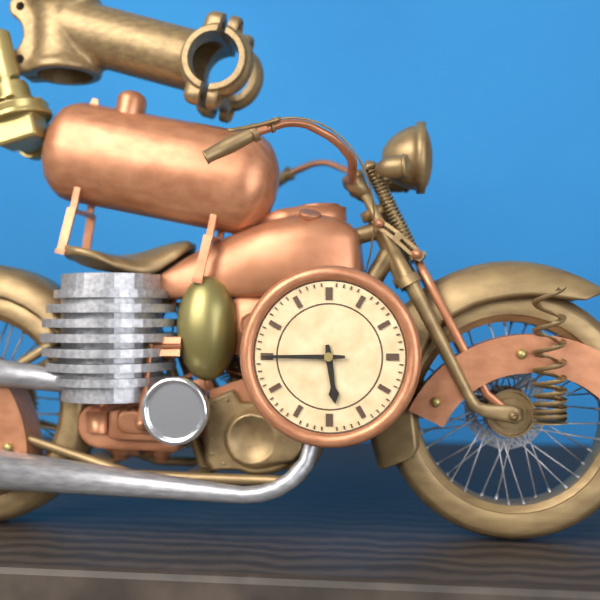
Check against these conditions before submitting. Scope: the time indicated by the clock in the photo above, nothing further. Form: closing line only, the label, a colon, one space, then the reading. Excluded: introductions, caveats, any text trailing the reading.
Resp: 5:45
